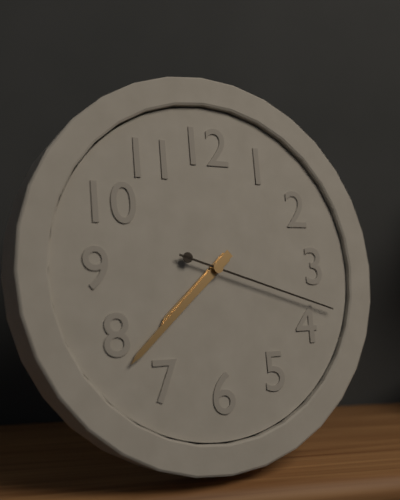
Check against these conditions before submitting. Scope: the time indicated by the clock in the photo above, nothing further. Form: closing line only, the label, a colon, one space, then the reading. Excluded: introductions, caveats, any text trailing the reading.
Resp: 7:38:18
